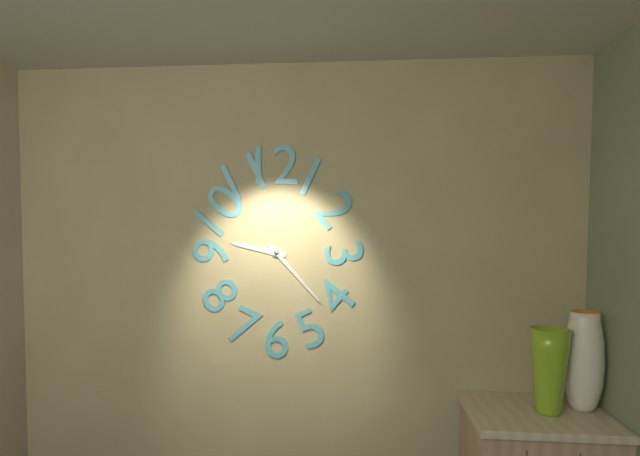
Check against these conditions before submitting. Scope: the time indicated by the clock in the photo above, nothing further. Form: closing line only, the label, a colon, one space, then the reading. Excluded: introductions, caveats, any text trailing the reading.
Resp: 9:23
